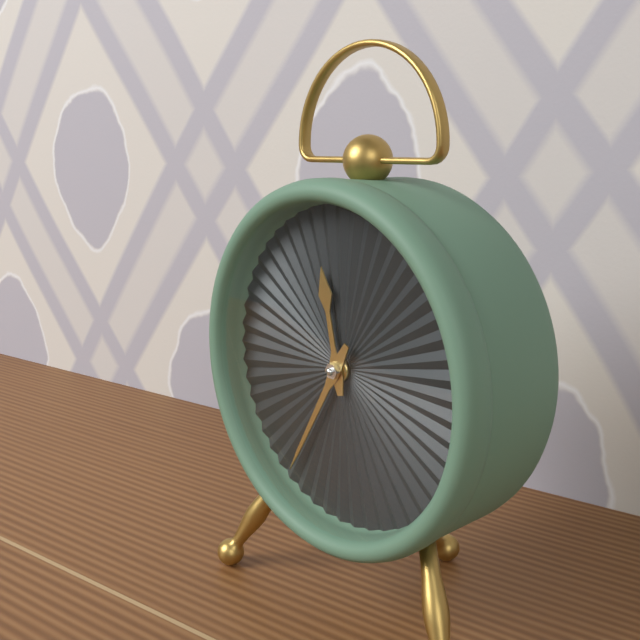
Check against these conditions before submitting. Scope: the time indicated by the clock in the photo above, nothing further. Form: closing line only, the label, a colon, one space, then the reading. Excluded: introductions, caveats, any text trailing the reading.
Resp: 11:35
